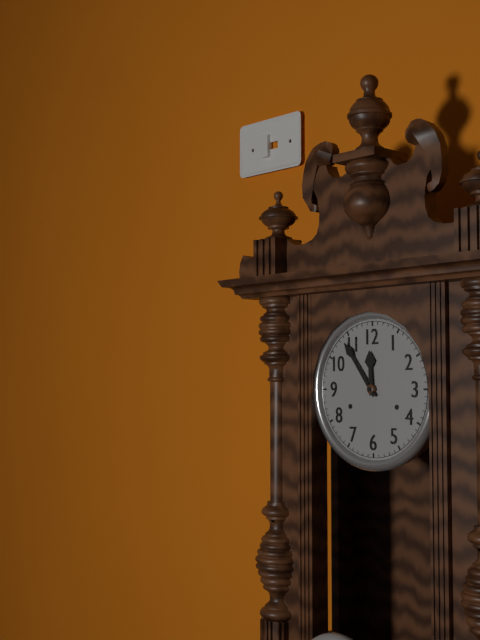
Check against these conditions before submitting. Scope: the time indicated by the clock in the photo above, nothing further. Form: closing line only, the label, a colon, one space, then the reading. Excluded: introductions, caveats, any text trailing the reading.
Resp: 11:54
